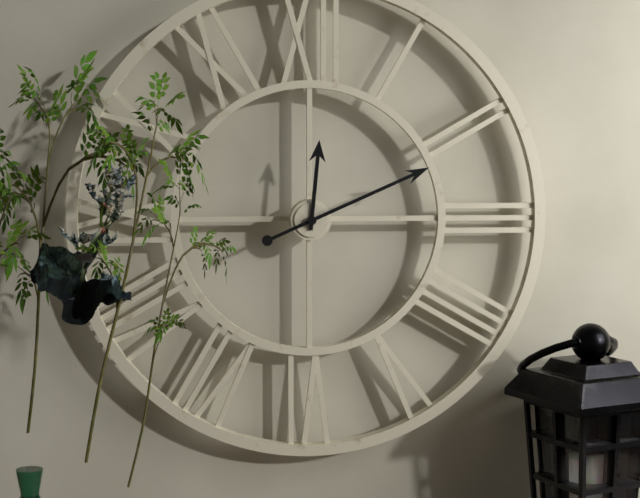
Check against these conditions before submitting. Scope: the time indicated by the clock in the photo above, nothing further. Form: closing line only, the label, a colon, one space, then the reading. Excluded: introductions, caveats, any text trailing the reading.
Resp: 12:11
